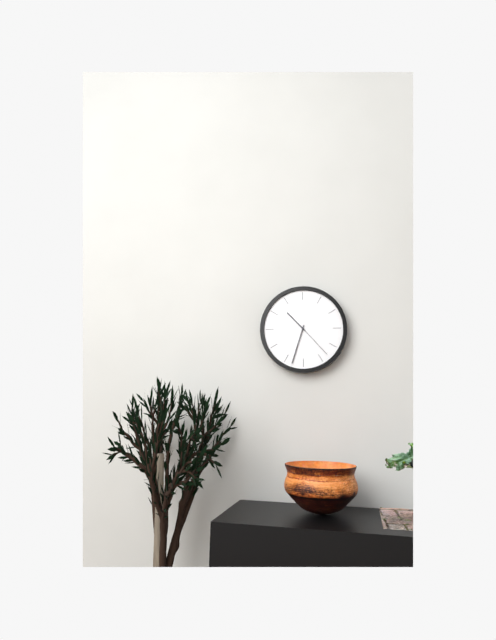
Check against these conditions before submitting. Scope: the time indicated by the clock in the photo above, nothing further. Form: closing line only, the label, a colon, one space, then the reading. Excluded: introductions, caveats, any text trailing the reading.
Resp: 10:33
